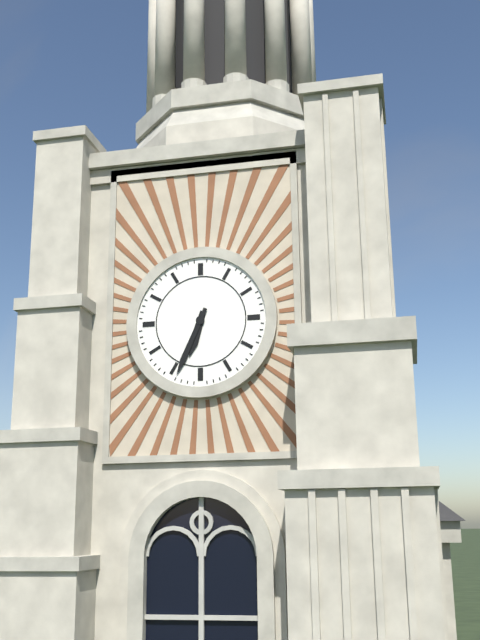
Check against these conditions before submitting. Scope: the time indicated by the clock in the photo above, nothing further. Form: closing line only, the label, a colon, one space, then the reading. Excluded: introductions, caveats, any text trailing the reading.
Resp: 6:34
